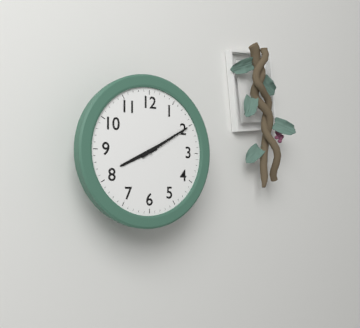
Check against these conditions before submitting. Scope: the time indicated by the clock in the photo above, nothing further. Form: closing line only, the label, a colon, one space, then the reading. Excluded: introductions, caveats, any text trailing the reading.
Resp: 8:10
